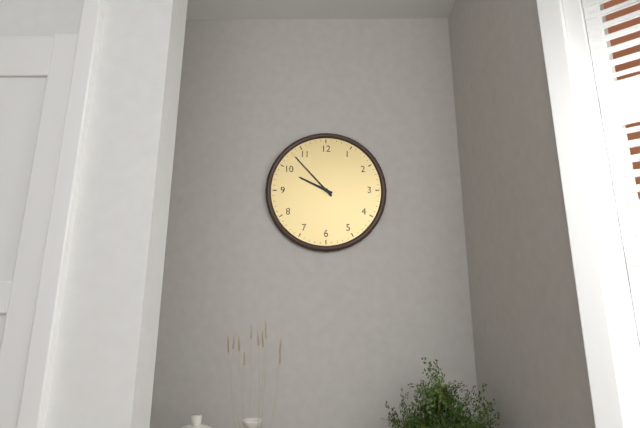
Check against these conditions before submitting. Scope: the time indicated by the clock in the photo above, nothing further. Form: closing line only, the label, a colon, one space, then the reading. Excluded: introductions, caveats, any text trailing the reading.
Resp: 9:53
